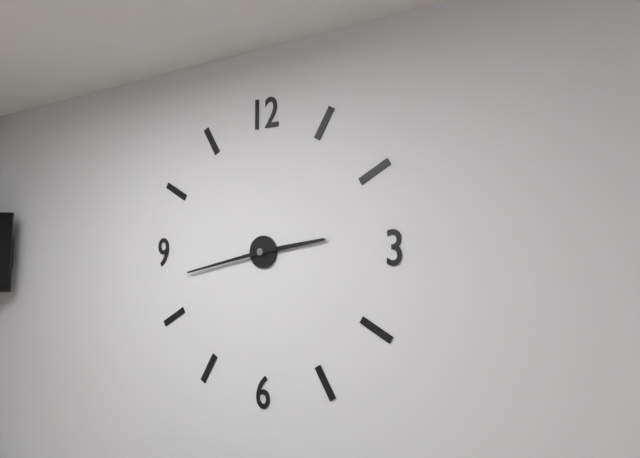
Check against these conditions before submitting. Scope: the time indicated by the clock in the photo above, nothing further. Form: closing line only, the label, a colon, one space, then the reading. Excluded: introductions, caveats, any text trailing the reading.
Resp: 2:43
